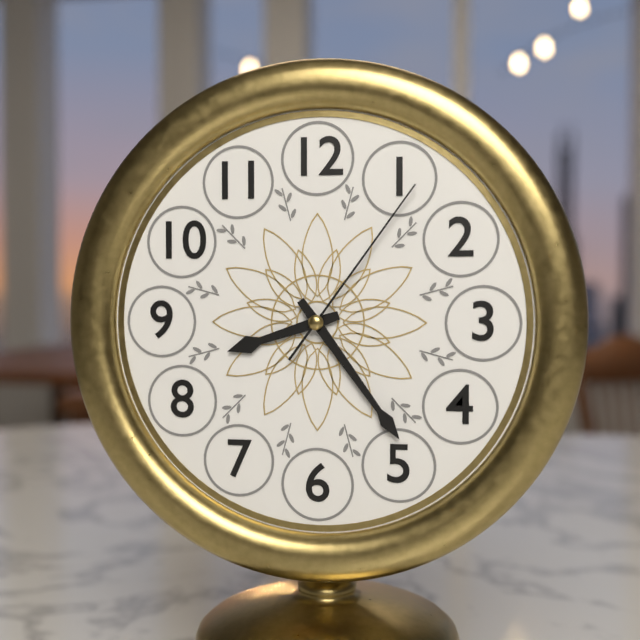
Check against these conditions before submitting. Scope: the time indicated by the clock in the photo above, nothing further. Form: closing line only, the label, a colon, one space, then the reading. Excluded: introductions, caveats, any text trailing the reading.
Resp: 8:24:06
